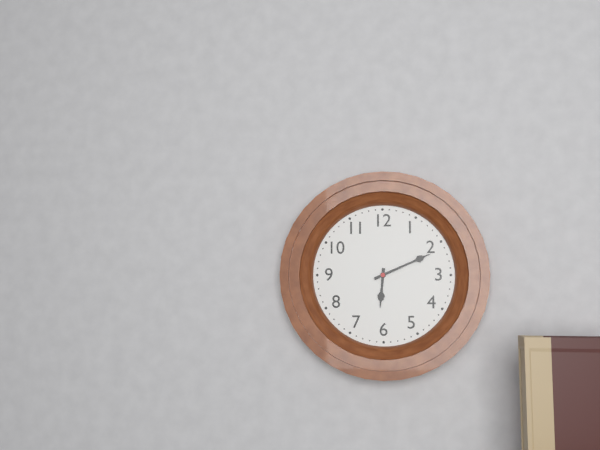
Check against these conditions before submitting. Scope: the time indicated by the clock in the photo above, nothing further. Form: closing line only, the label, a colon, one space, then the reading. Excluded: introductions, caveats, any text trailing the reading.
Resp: 6:11
